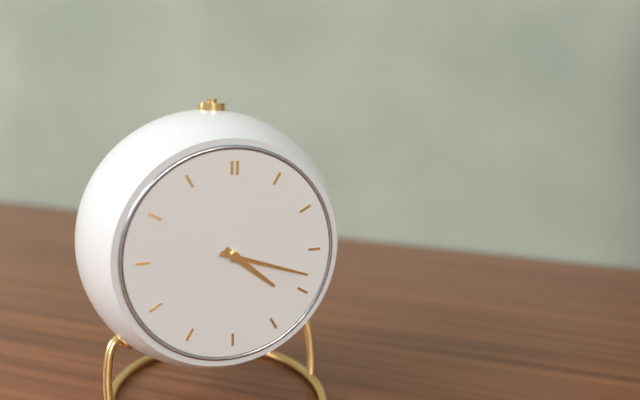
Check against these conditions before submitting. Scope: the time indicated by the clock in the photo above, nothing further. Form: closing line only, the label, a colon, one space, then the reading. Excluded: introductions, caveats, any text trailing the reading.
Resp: 4:18
